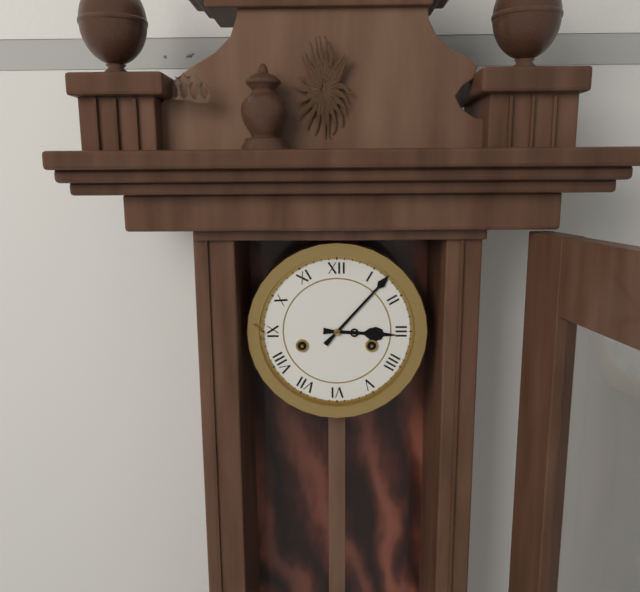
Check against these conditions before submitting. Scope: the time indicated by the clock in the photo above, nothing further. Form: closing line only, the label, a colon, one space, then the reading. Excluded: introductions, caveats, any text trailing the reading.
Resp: 3:07
